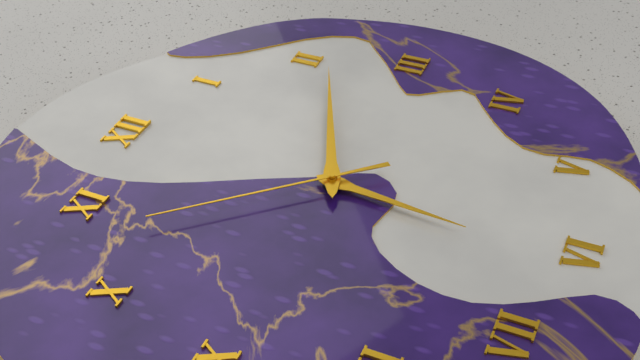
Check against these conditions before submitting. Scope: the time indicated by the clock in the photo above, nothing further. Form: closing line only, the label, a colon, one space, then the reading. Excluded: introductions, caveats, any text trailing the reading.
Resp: 6:11:53
